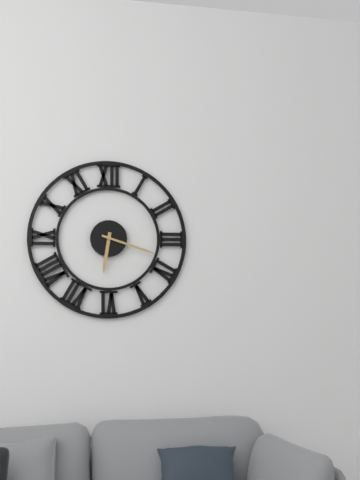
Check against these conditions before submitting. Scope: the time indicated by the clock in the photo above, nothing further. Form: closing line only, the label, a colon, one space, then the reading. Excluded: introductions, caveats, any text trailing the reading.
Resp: 6:18
